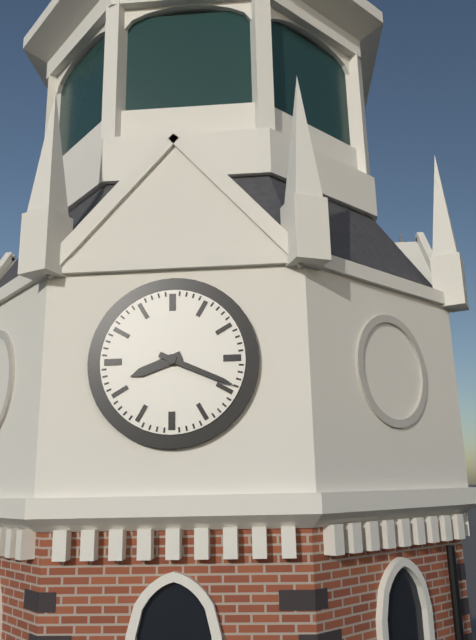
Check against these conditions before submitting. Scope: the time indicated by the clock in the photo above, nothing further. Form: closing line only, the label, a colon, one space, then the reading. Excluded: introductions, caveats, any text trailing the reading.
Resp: 8:19
